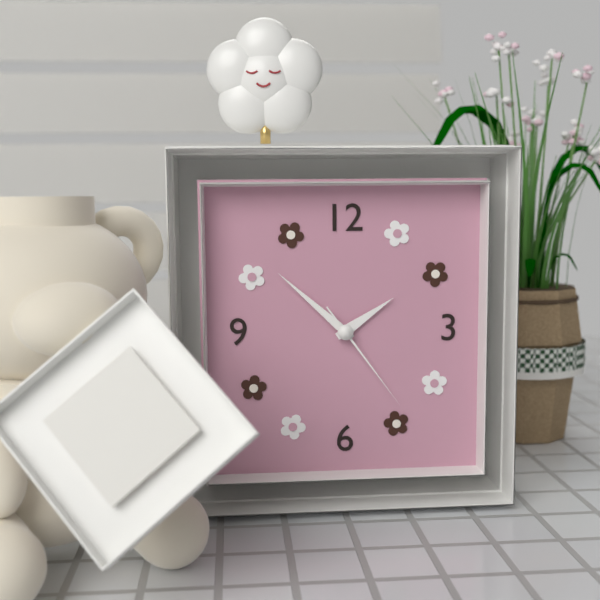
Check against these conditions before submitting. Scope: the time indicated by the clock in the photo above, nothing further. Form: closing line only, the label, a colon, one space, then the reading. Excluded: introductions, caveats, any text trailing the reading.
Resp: 1:52:24
